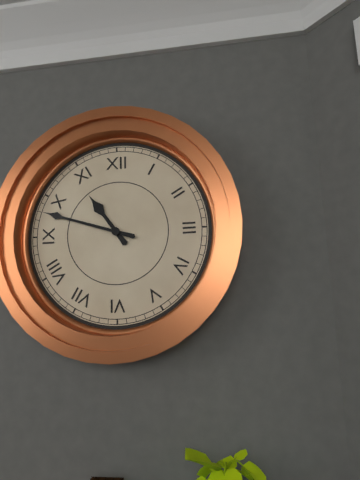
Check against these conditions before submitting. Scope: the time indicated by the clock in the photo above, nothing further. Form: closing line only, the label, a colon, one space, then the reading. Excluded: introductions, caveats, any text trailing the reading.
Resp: 10:48
